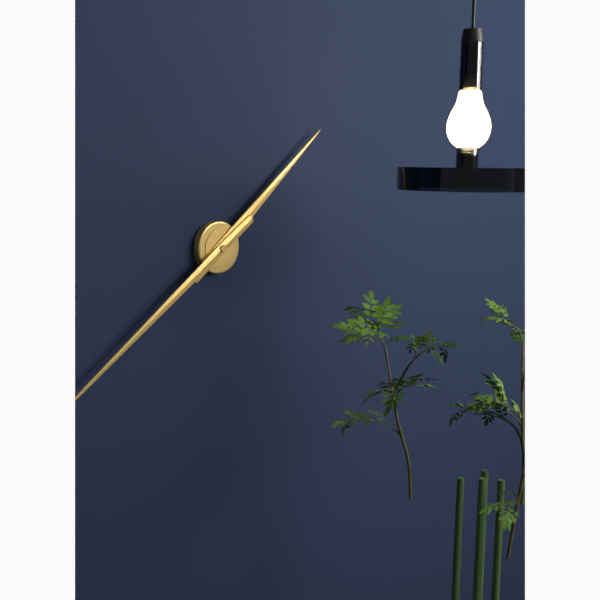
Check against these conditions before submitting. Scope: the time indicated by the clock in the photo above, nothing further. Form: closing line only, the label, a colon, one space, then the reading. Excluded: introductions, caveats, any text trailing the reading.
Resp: 1:39
